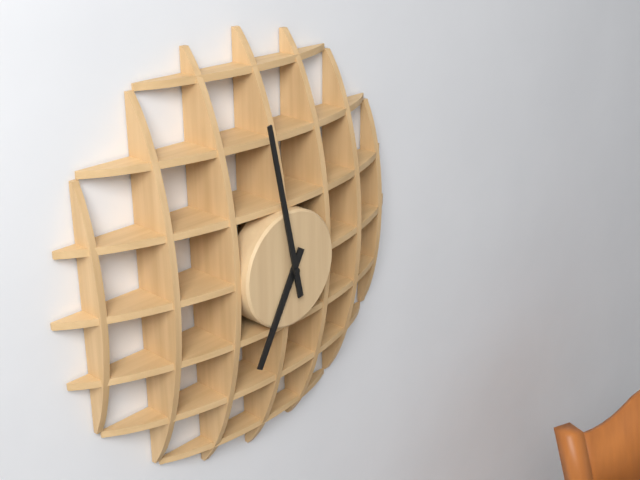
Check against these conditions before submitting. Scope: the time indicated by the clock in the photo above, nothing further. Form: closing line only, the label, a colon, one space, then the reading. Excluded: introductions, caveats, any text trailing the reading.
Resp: 6:58
